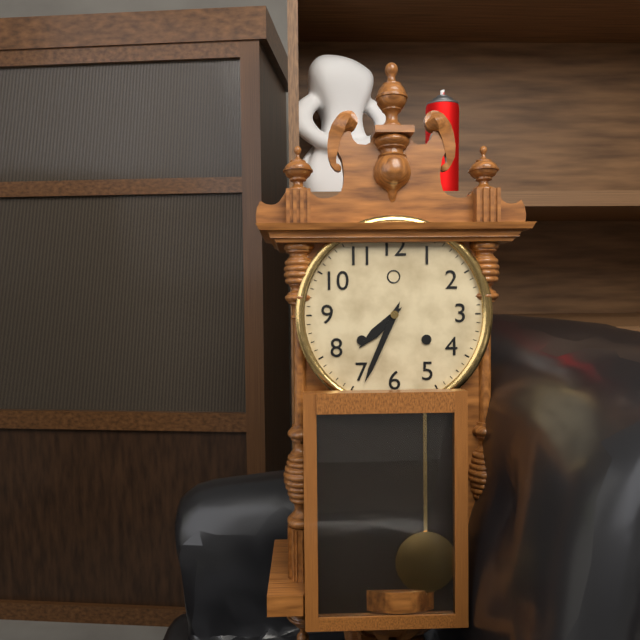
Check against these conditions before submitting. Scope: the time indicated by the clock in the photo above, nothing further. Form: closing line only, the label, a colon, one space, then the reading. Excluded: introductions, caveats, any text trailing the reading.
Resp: 7:34
